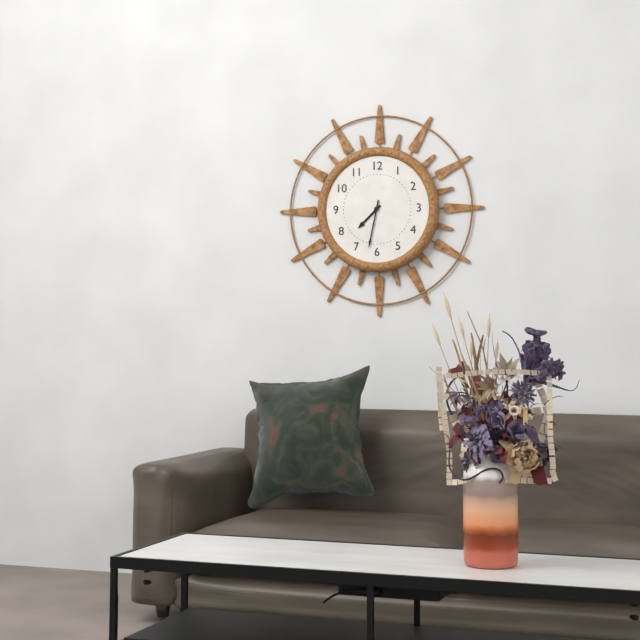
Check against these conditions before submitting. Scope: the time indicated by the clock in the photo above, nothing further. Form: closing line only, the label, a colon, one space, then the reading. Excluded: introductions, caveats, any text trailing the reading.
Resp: 7:32
